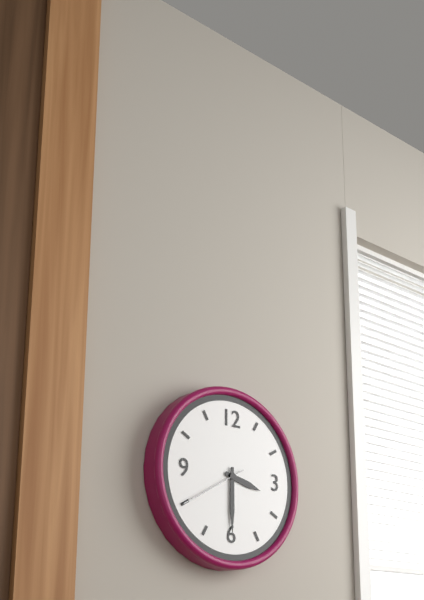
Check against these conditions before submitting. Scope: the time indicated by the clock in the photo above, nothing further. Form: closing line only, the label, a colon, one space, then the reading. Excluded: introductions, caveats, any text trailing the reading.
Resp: 3:30:40
